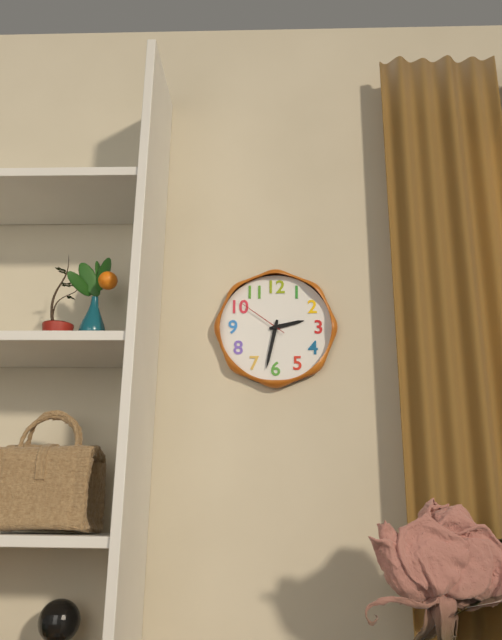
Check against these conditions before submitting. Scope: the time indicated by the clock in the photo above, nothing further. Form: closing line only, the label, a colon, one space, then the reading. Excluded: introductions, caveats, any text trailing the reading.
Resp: 2:32:51
